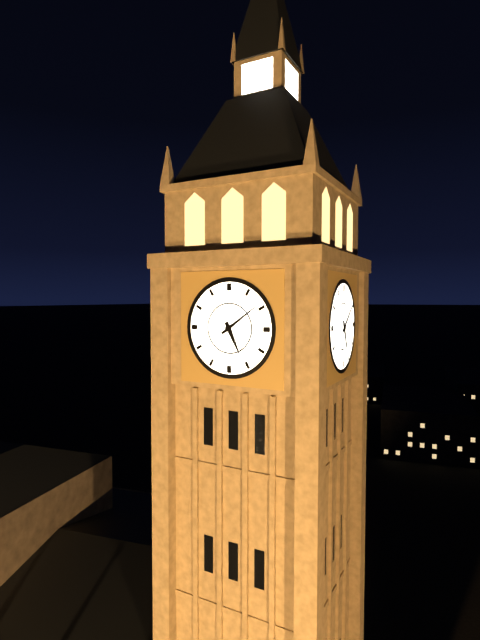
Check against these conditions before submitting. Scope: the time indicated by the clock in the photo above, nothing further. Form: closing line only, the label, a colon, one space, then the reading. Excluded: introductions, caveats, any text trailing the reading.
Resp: 5:09
